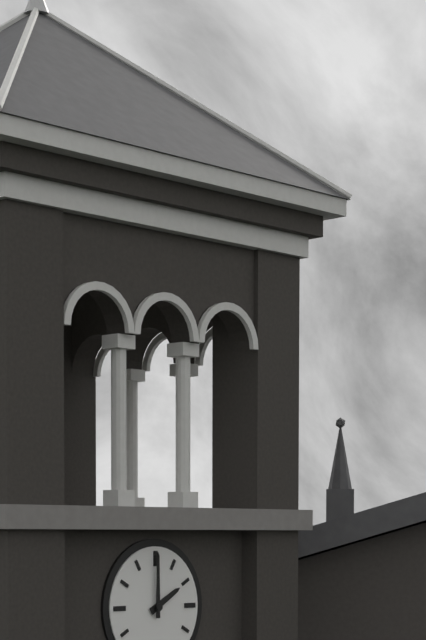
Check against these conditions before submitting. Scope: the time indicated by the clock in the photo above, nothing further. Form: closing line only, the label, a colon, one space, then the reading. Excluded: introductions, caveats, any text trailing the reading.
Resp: 2:00
